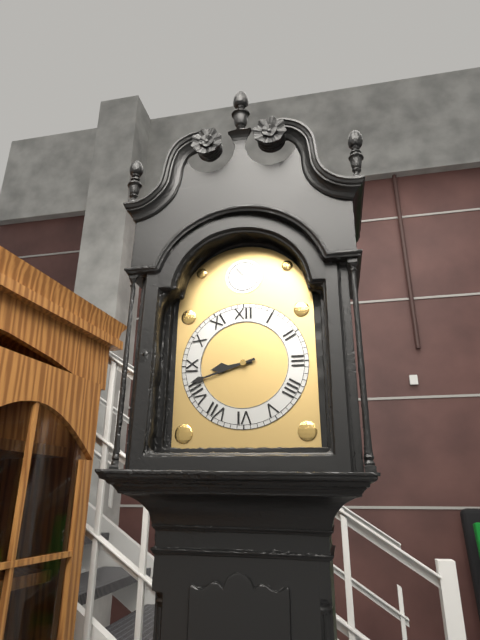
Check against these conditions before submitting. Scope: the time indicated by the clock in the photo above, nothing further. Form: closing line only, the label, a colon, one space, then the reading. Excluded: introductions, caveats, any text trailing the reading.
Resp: 8:42
